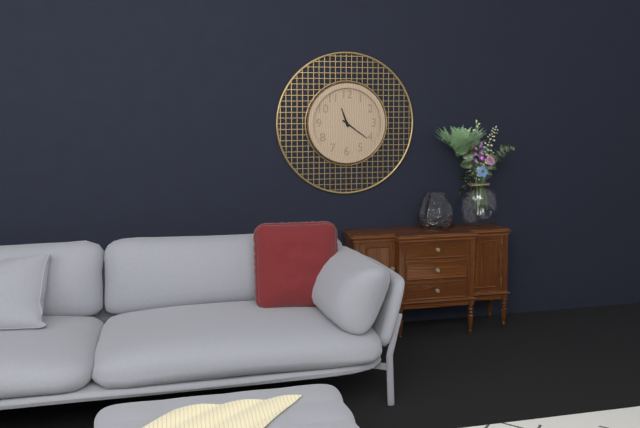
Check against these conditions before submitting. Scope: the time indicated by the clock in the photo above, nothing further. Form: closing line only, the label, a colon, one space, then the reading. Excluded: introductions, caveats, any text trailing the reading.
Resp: 11:21
